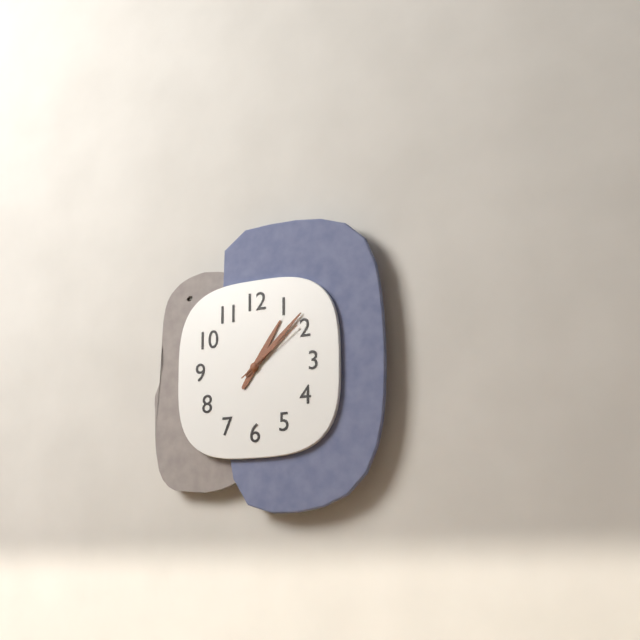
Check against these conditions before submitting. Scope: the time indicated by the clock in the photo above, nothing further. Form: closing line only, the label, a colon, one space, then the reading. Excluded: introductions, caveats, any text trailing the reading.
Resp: 1:08:09
